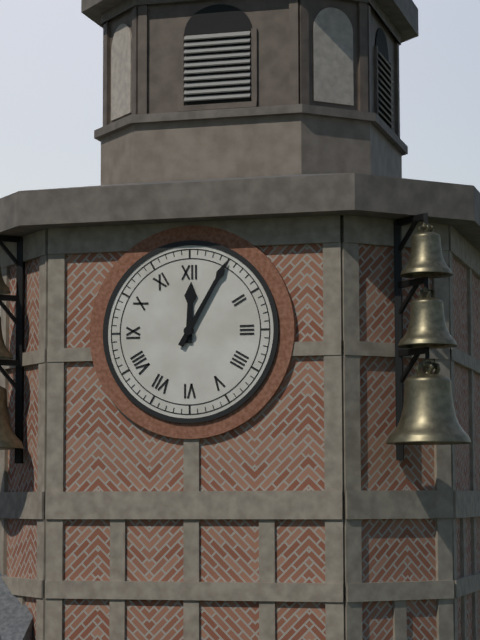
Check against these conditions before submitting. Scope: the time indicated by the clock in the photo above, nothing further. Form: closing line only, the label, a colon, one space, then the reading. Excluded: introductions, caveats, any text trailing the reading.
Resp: 12:05
